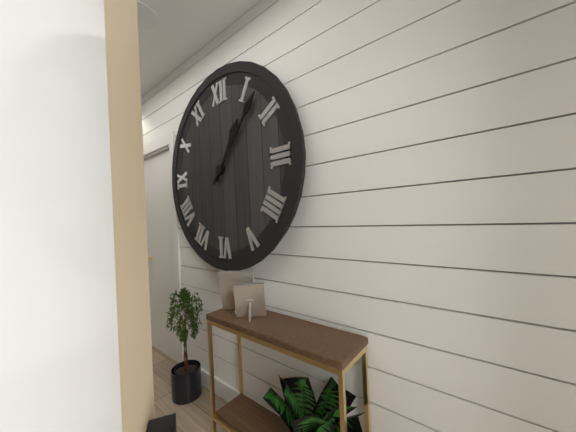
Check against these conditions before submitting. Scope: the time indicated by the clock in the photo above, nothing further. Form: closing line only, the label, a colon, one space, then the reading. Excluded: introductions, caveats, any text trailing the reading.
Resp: 1:07
